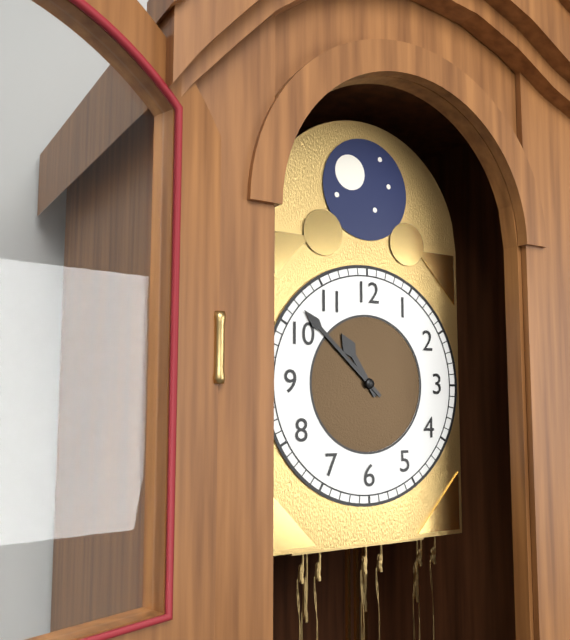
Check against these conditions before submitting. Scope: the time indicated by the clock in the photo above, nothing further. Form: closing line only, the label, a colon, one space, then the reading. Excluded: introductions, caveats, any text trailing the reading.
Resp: 10:52
